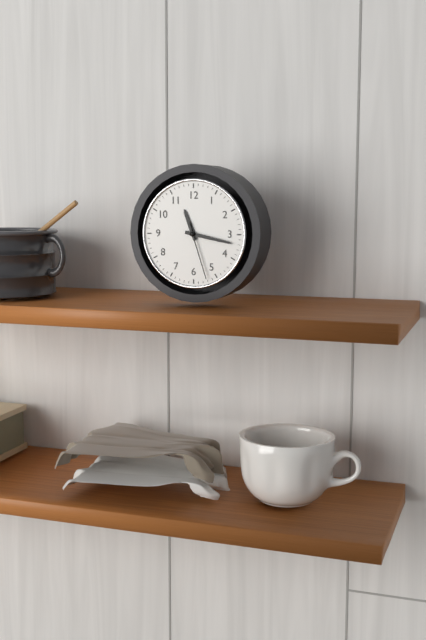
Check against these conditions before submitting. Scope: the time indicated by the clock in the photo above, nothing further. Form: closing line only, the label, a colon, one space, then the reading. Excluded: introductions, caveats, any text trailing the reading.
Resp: 11:17:27
